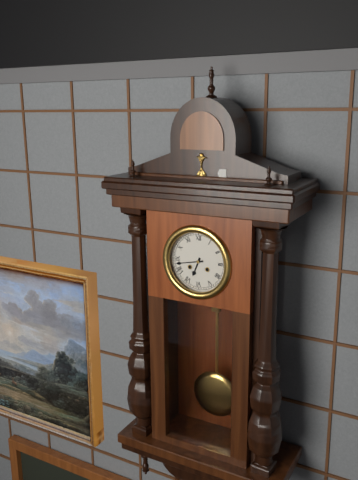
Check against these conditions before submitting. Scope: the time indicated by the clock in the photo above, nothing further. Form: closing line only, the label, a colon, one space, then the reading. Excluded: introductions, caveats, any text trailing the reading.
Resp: 6:43
